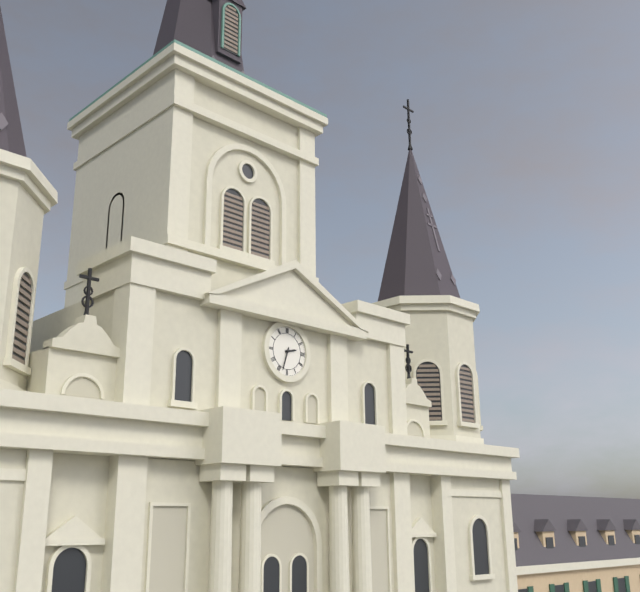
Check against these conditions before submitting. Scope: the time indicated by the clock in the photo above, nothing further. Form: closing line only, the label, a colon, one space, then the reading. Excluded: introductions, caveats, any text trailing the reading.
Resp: 2:33
